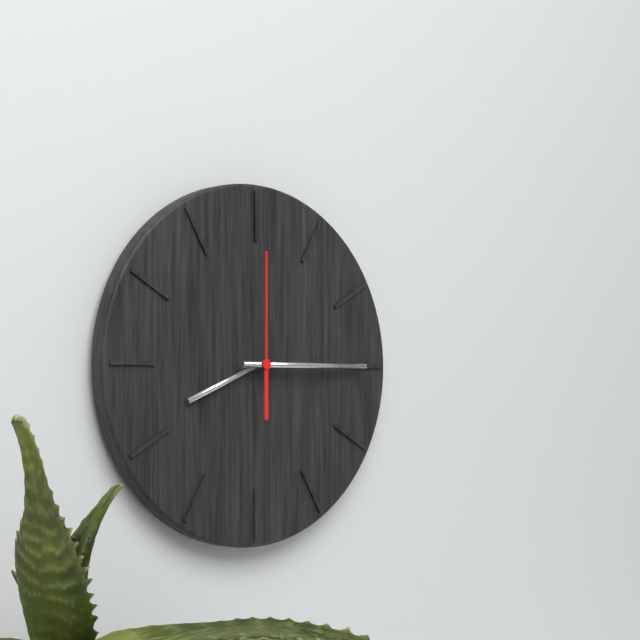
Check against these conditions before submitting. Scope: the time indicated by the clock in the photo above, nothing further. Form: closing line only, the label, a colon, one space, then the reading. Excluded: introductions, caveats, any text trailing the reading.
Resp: 8:15:00
